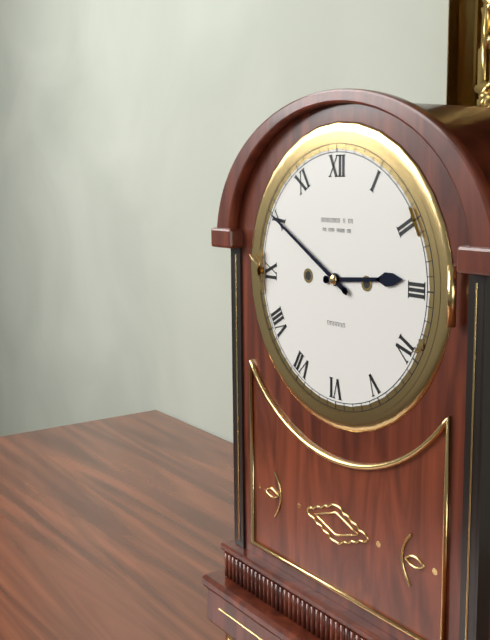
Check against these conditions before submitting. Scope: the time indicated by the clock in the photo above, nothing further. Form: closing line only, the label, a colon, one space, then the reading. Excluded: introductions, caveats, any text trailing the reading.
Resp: 2:50
